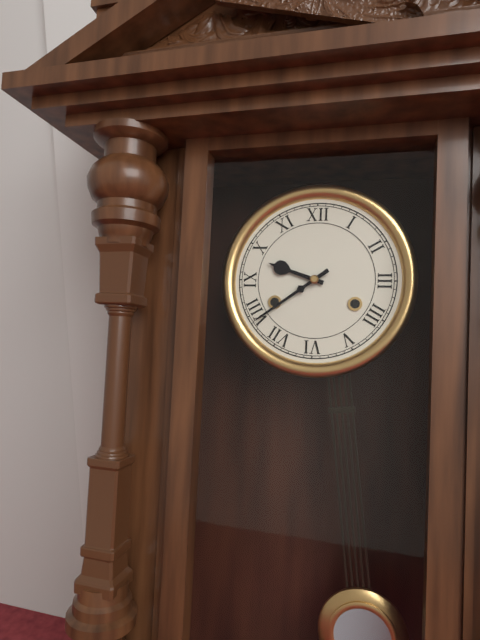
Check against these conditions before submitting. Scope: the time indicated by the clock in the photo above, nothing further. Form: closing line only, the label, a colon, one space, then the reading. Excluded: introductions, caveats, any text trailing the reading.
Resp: 9:39
